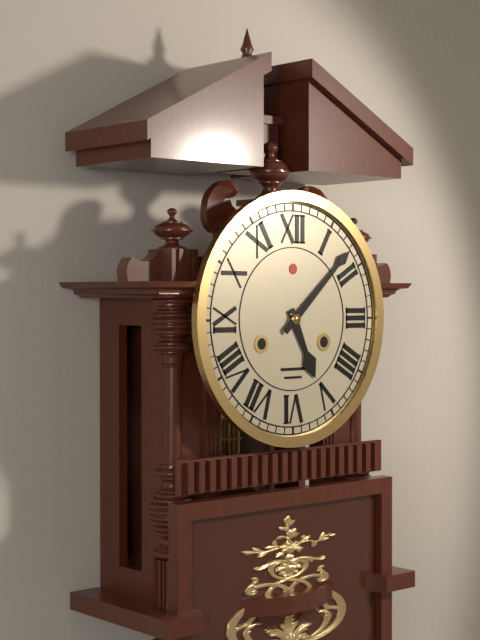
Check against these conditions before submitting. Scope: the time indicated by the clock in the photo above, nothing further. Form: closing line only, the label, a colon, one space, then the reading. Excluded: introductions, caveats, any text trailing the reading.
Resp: 5:08
